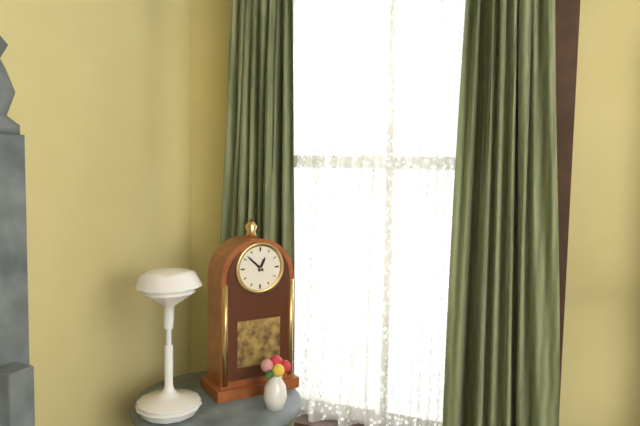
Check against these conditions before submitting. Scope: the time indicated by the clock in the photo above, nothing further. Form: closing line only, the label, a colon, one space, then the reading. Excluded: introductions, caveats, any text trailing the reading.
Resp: 12:52
